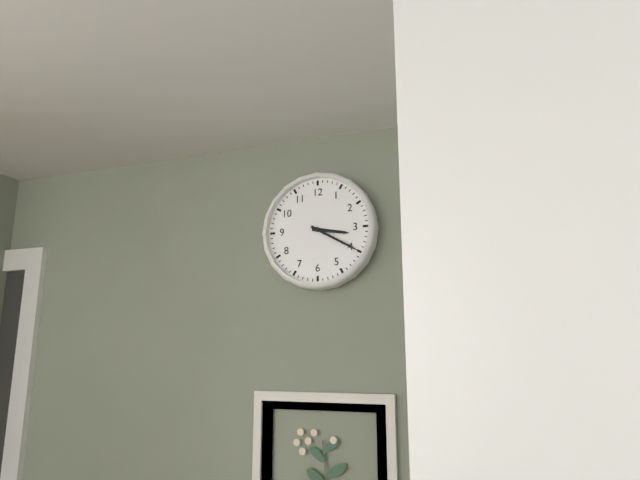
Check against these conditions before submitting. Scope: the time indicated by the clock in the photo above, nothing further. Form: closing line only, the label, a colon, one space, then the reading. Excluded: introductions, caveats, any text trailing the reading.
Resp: 3:20
